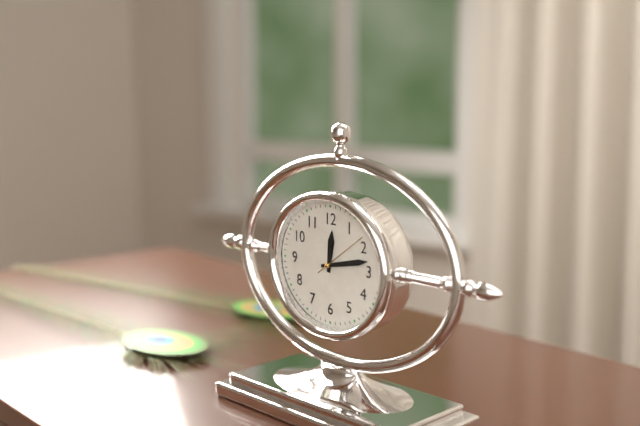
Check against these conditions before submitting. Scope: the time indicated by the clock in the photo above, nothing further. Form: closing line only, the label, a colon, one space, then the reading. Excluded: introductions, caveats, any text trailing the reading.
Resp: 12:13:09
